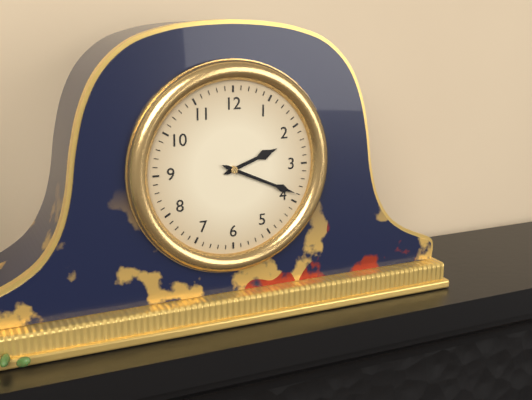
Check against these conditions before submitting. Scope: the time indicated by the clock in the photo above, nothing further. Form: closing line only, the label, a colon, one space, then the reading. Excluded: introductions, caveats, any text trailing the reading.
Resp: 2:19
